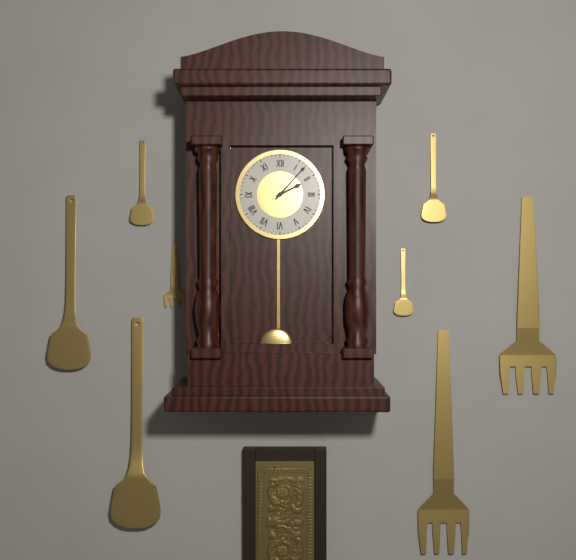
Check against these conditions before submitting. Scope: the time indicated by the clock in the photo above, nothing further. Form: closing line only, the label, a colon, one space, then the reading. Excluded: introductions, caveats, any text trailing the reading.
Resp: 2:07
